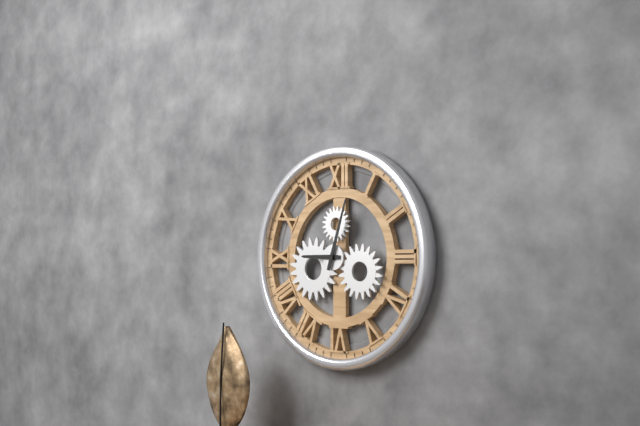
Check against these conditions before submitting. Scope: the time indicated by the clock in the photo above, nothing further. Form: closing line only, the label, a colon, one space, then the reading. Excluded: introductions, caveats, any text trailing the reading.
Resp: 9:03
